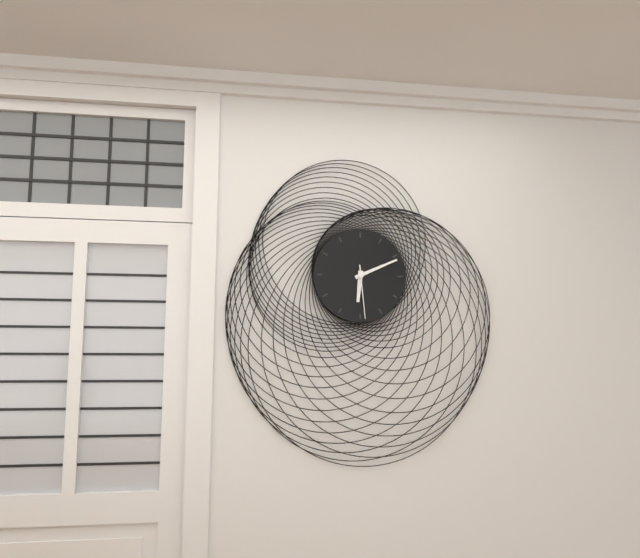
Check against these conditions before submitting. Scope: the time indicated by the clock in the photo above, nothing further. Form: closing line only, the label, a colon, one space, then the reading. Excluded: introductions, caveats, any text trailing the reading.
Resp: 6:11:29
